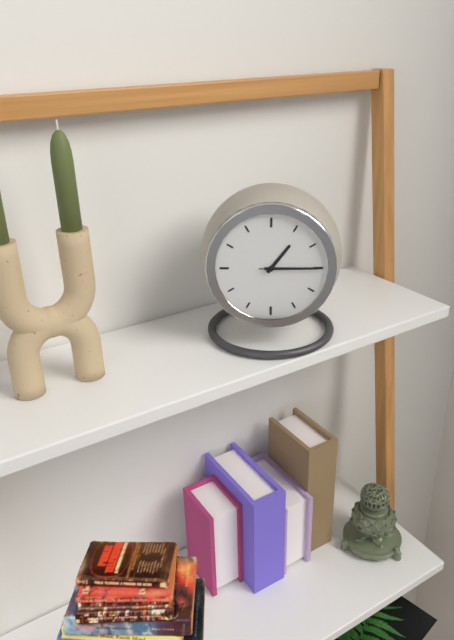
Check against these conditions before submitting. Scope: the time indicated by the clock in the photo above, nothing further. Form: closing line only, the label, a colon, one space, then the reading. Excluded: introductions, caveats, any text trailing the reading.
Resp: 1:15:15
